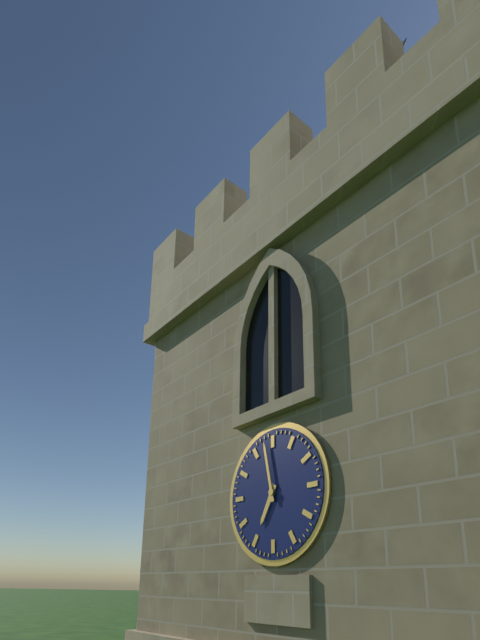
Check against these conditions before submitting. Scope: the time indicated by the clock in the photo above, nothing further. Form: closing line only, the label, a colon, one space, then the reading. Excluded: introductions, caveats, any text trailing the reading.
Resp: 6:58
